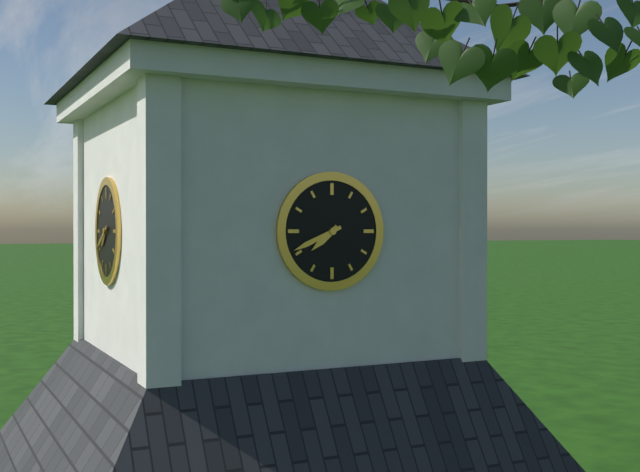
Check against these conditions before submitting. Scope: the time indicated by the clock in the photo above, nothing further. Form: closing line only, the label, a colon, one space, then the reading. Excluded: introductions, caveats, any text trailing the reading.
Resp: 7:41
